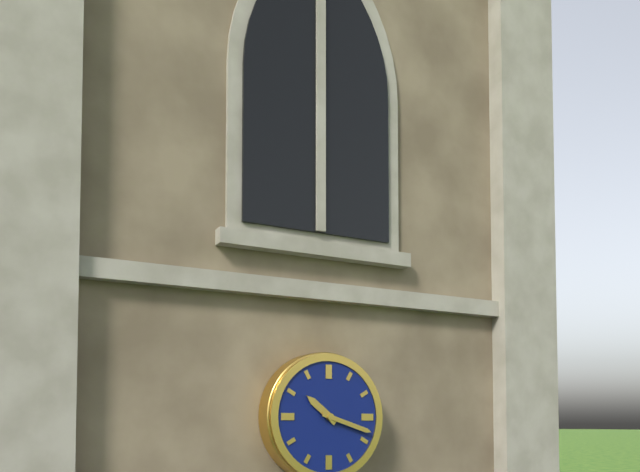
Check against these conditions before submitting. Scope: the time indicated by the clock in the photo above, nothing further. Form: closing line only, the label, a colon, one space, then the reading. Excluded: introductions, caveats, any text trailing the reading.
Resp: 10:18
